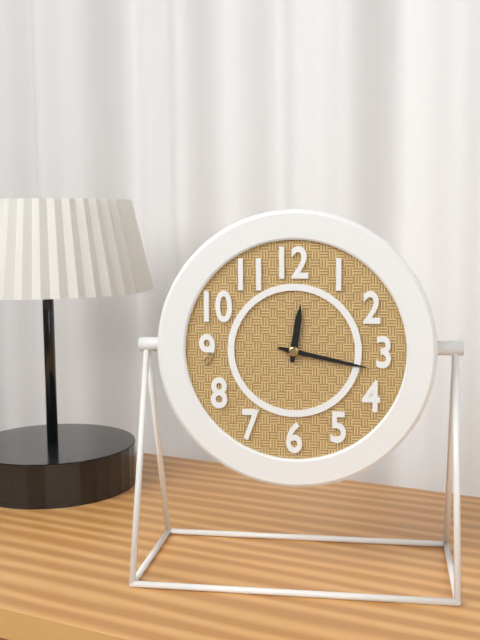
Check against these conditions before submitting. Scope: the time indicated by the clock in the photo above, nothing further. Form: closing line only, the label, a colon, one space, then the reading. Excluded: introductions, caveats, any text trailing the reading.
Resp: 12:17
